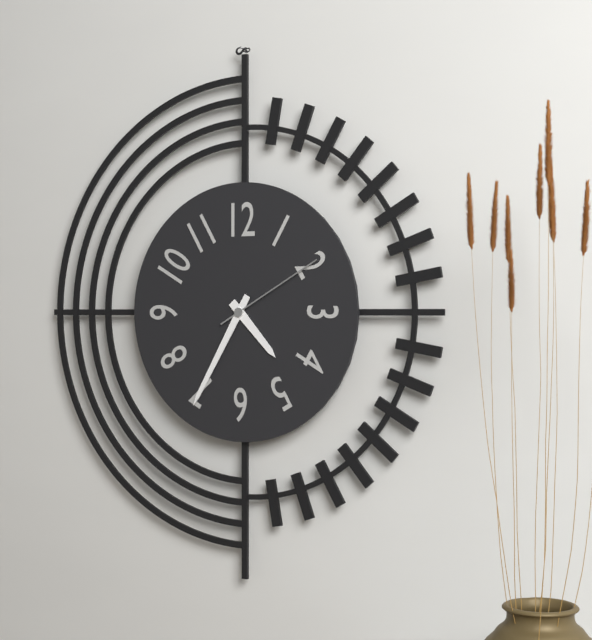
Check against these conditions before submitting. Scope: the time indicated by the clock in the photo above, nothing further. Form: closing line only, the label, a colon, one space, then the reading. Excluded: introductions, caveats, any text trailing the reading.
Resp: 4:35:10
